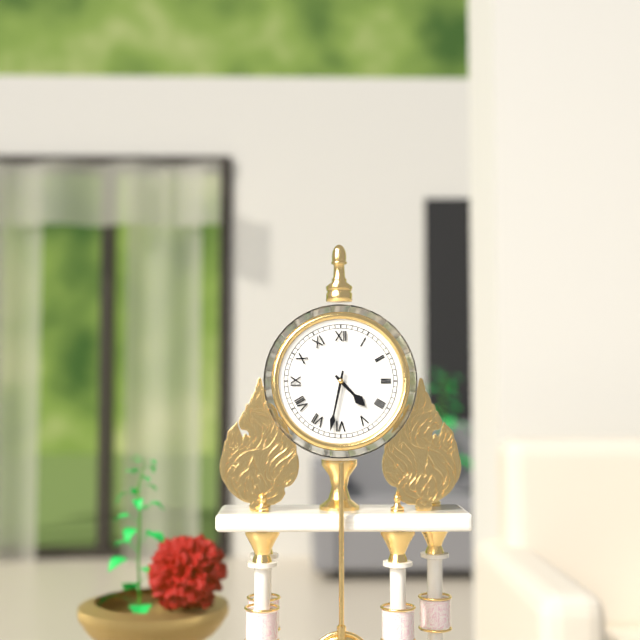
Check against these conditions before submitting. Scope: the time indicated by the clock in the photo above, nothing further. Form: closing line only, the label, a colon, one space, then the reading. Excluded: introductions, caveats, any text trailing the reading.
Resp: 4:32
